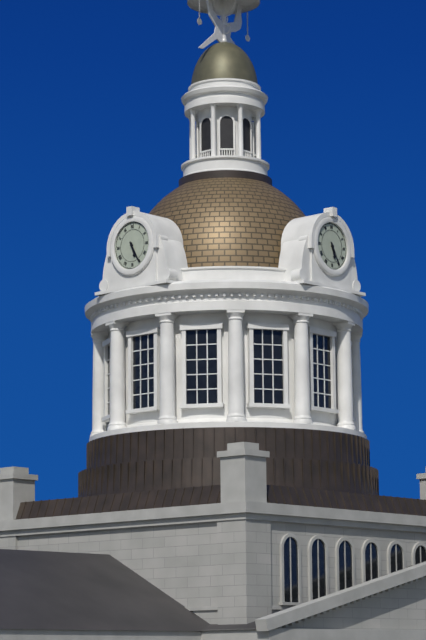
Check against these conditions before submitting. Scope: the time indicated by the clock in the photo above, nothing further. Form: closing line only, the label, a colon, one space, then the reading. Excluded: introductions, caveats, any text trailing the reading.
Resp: 5:25
